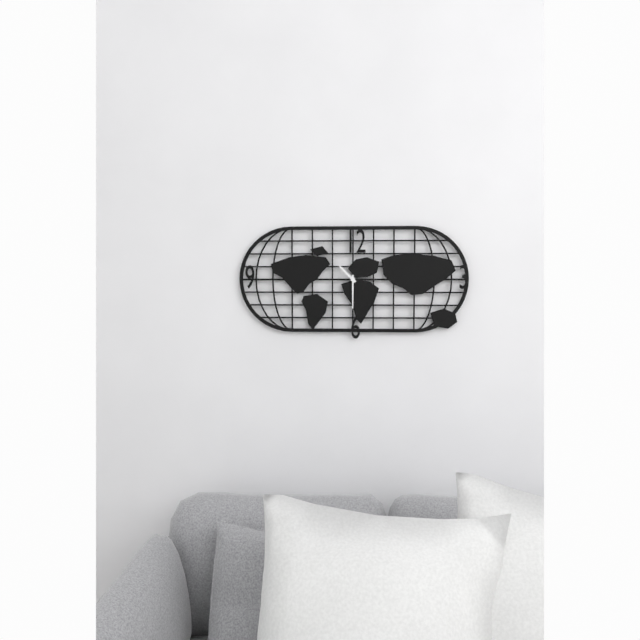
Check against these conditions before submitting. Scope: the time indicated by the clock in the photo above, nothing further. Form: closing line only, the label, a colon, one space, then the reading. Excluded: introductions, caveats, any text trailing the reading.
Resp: 10:30
